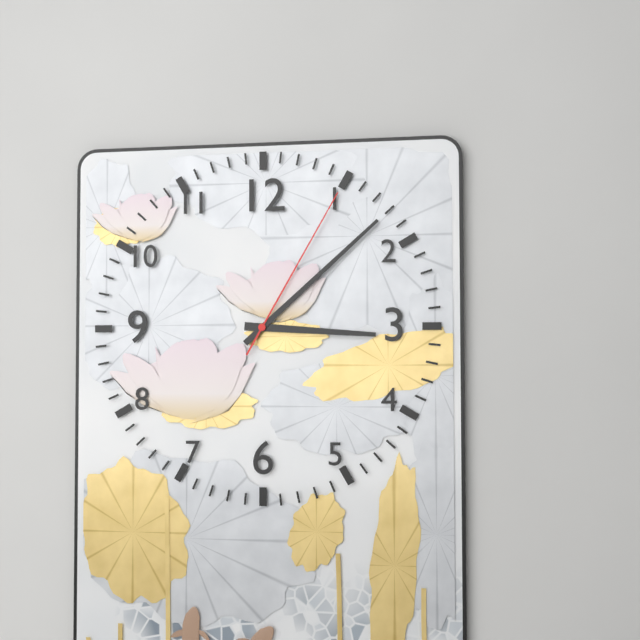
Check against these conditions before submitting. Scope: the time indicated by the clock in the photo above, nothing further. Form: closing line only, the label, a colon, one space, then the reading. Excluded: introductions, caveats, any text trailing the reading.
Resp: 3:08:05
